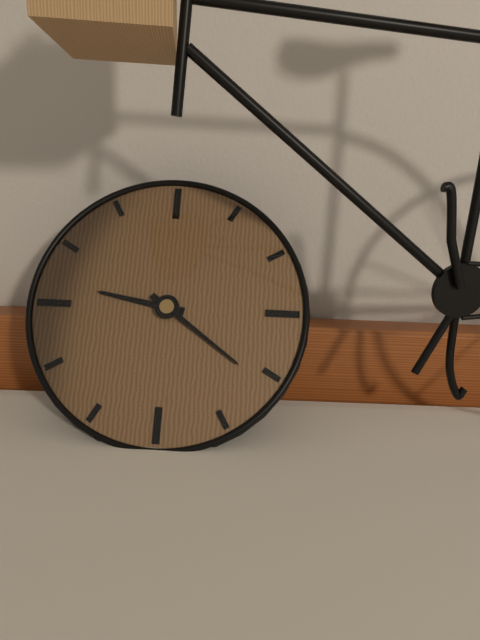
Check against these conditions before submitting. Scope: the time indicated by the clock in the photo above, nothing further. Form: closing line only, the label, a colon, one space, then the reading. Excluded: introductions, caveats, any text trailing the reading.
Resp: 9:21
